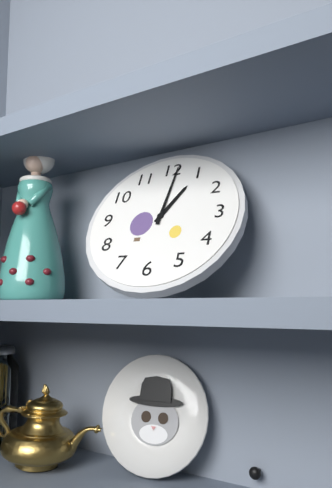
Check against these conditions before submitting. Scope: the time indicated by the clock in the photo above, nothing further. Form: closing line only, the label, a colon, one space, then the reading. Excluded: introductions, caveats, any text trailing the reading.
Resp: 1:01
